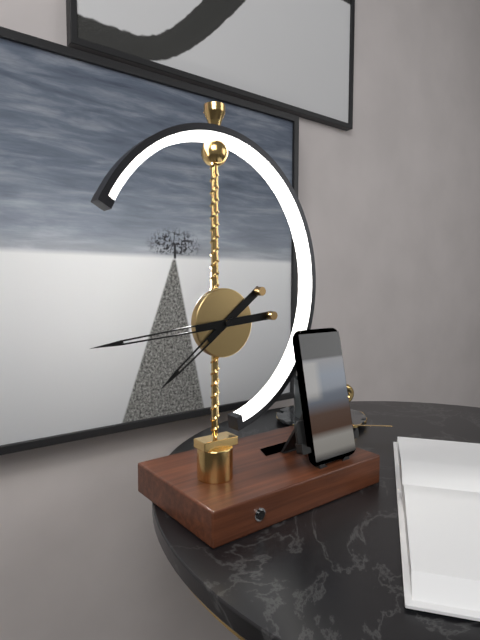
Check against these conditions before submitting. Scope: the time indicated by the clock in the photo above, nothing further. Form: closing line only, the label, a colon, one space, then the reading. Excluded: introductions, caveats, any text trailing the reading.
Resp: 7:44
